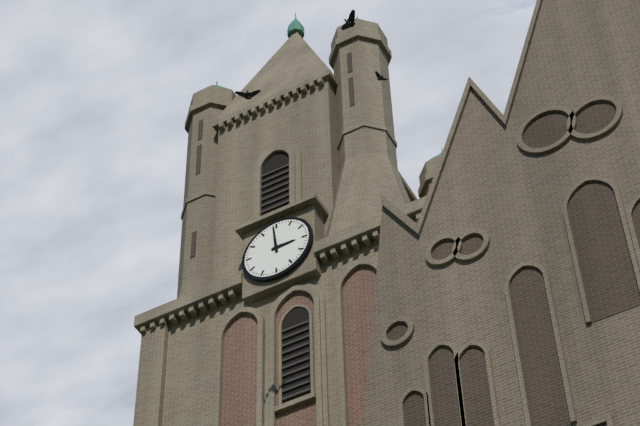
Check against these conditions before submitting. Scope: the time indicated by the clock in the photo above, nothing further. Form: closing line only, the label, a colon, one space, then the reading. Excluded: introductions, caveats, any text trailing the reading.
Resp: 2:59
